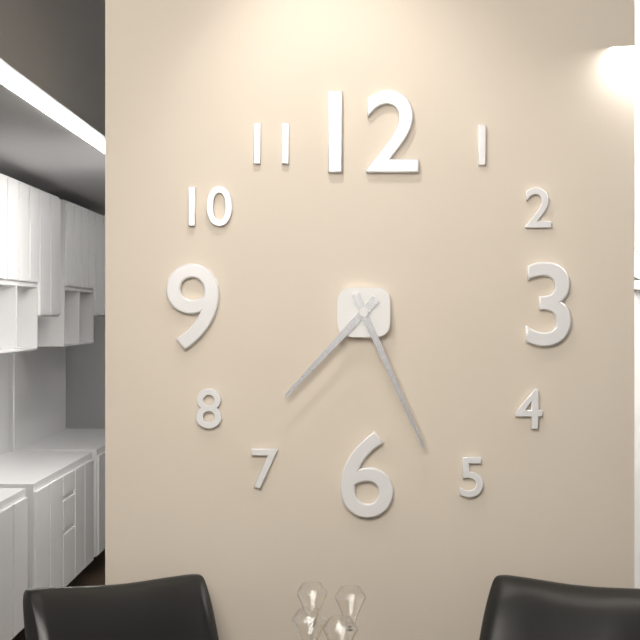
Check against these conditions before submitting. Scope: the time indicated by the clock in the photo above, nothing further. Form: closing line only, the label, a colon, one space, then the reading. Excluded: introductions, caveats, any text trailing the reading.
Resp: 7:26
